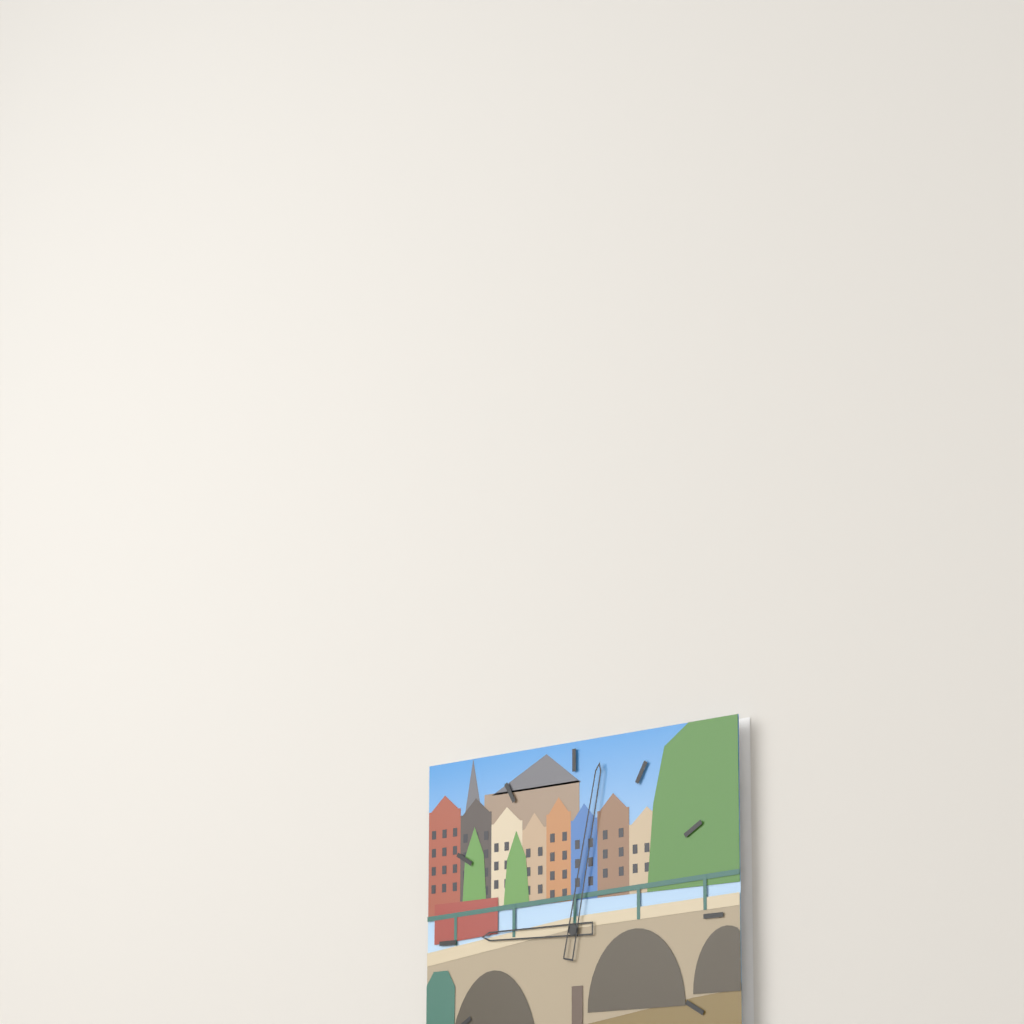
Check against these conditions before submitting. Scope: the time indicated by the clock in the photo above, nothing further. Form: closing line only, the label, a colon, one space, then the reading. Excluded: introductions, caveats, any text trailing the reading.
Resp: 9:02
